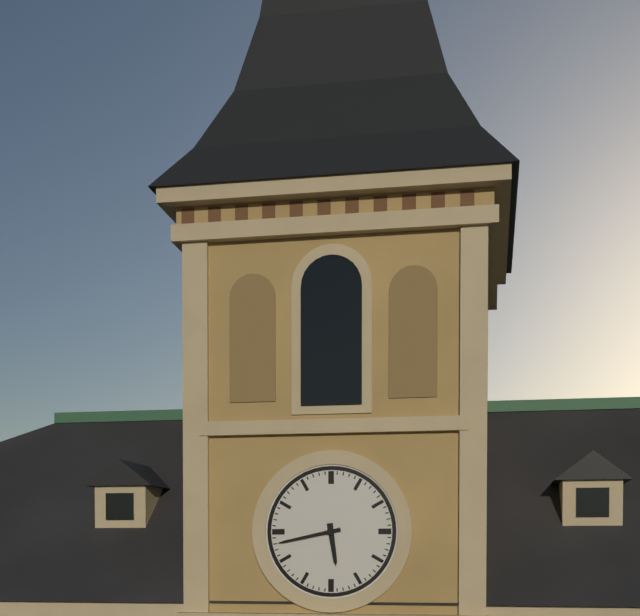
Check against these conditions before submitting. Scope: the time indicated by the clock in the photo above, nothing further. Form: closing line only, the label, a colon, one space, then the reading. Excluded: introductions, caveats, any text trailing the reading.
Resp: 5:43
